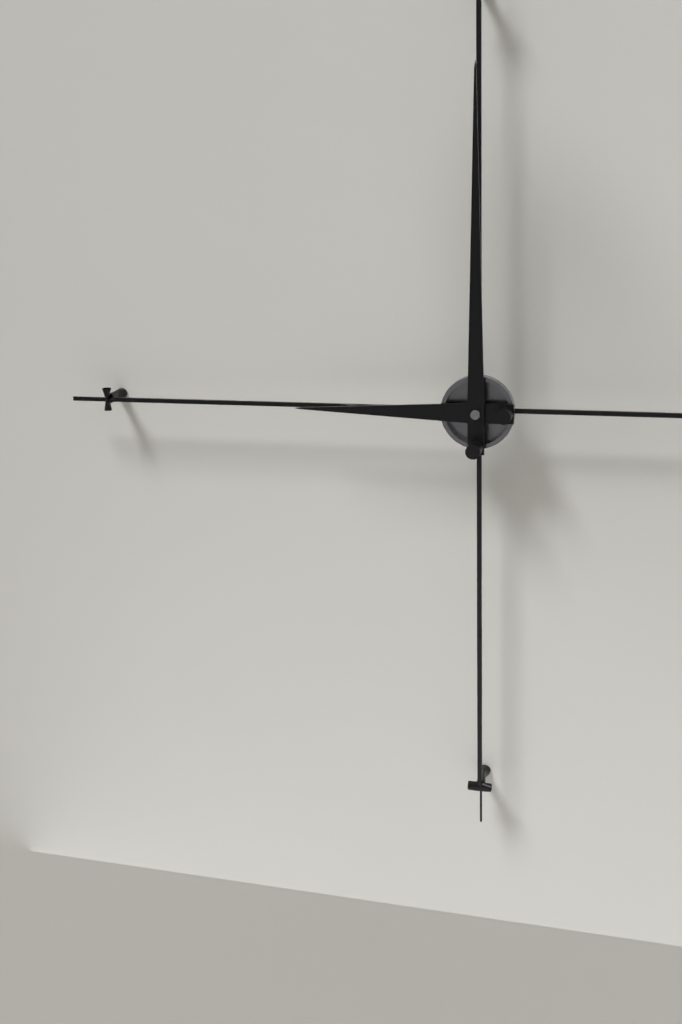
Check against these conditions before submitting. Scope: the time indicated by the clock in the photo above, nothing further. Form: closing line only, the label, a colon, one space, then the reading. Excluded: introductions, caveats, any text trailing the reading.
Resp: 9:00
